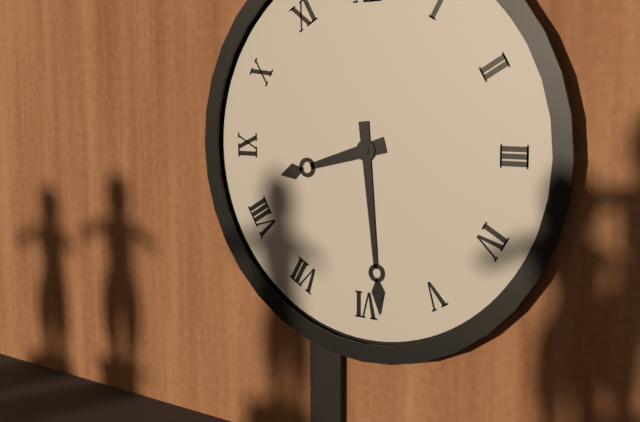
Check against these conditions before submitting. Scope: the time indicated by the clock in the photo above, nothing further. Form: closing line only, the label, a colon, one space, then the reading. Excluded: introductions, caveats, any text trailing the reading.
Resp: 8:29
